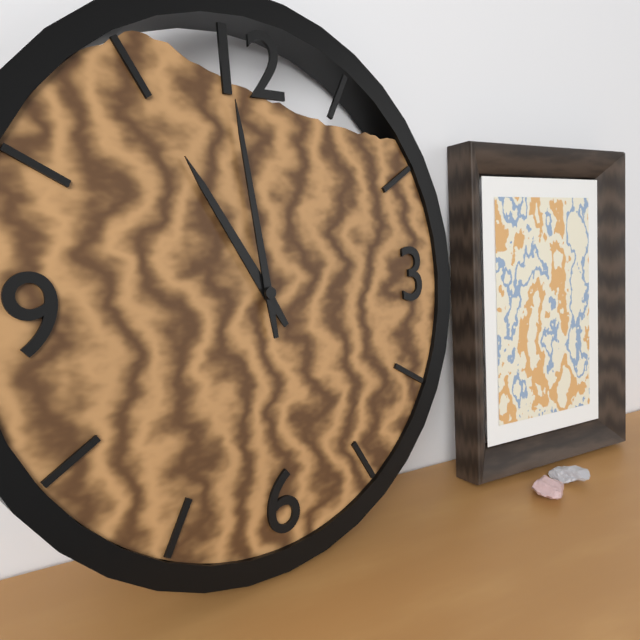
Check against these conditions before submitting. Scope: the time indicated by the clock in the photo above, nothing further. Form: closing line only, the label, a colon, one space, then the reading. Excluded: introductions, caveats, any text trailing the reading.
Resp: 10:59
